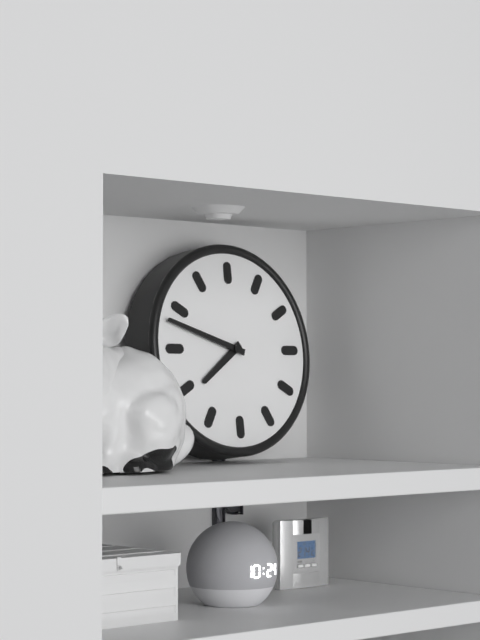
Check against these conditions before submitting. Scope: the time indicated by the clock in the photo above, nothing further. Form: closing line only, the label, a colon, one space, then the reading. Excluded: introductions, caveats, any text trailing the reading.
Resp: 7:48
